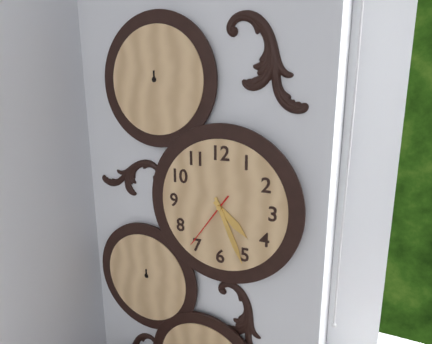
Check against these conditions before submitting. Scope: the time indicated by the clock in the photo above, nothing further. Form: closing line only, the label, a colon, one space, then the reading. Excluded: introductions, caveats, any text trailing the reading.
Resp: 4:26:36
